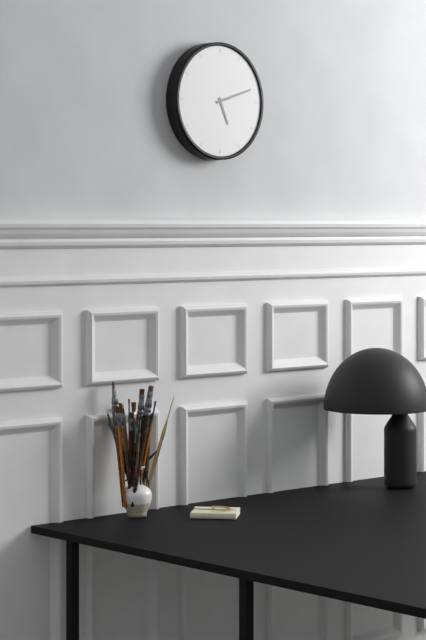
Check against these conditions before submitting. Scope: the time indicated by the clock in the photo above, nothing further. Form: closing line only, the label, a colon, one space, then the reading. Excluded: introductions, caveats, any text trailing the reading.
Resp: 5:12
